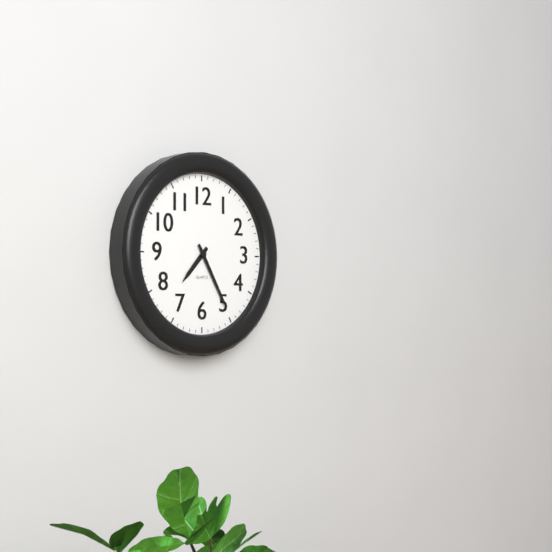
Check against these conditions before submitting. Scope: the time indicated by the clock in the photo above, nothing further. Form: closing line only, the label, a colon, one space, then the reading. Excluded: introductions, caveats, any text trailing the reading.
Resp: 7:25
